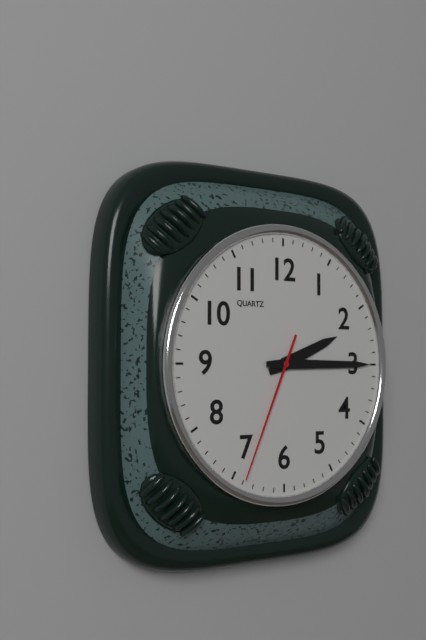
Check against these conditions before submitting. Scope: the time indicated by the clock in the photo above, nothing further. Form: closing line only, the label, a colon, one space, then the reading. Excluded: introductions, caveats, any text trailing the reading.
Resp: 2:15:34
